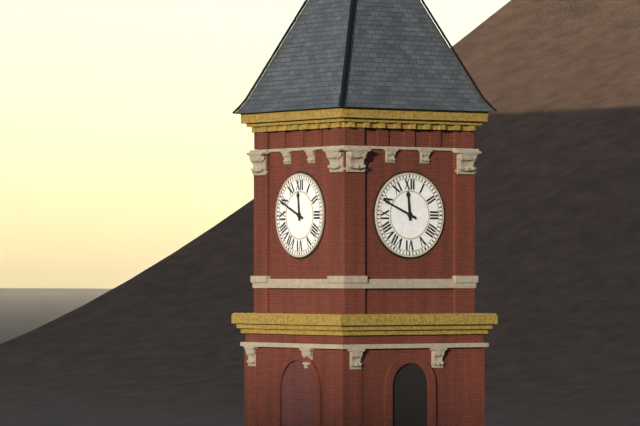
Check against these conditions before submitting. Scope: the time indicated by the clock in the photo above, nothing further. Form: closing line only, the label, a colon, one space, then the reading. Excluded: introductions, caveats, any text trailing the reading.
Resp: 11:49
